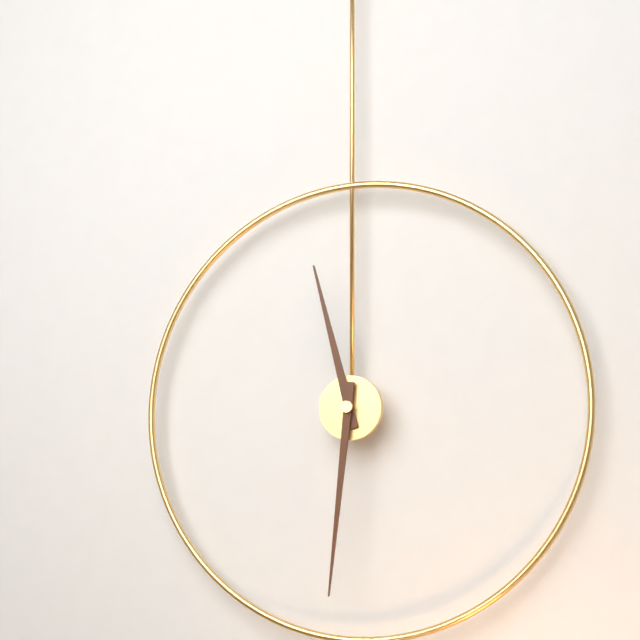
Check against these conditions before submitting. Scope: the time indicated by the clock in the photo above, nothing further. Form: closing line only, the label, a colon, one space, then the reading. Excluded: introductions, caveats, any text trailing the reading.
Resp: 11:31
